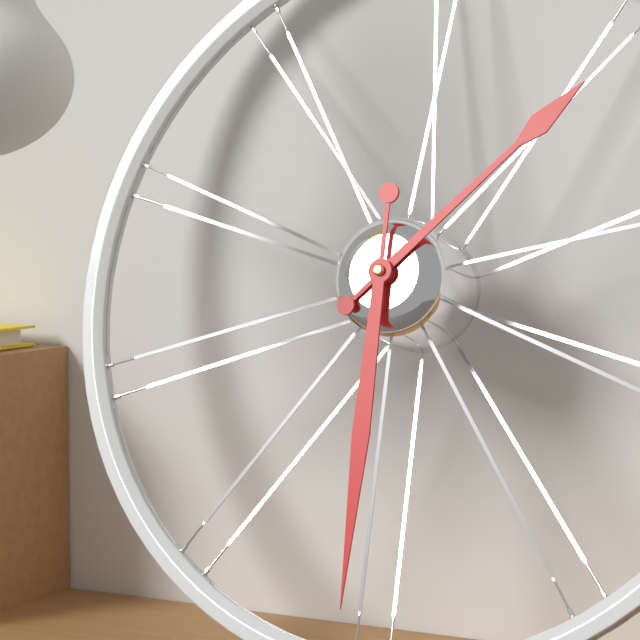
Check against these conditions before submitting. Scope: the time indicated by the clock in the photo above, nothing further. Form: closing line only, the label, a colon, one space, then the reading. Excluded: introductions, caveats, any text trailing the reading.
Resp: 1:30
